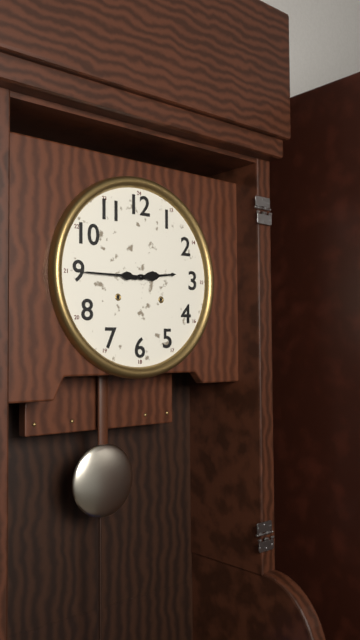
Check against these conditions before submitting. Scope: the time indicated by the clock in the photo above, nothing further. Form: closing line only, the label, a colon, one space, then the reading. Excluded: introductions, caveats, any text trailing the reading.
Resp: 2:45
